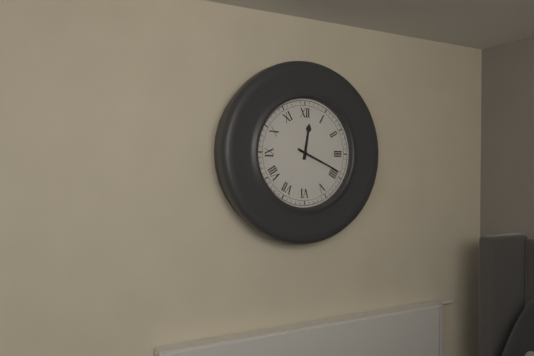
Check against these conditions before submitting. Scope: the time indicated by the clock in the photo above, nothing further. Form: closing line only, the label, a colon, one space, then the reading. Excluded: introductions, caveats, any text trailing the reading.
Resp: 12:19
